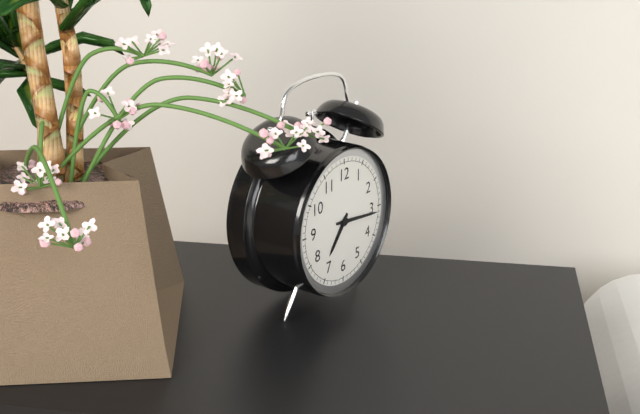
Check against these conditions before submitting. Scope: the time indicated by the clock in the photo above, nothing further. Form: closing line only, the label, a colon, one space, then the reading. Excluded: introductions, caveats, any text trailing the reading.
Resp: 7:16
